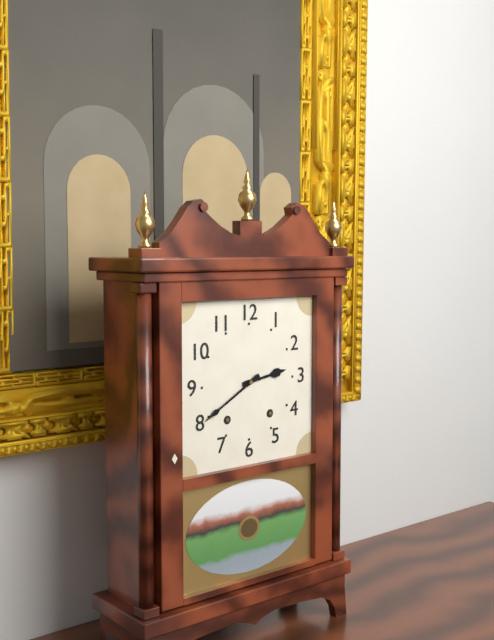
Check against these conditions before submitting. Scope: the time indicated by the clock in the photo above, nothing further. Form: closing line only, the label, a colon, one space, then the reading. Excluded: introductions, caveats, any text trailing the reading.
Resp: 2:40
